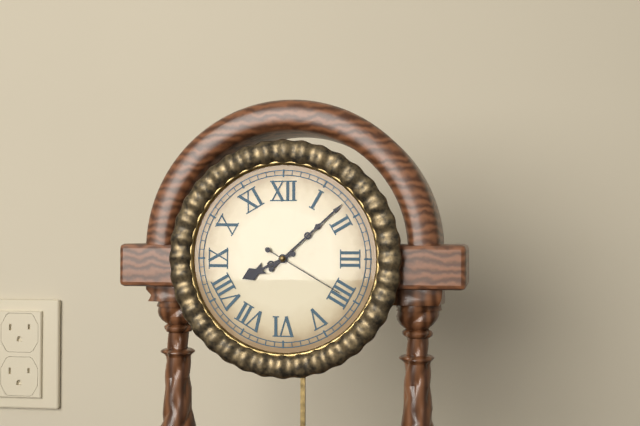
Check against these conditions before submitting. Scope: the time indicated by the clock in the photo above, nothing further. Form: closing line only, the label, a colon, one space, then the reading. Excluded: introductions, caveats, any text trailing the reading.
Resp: 8:08:20
